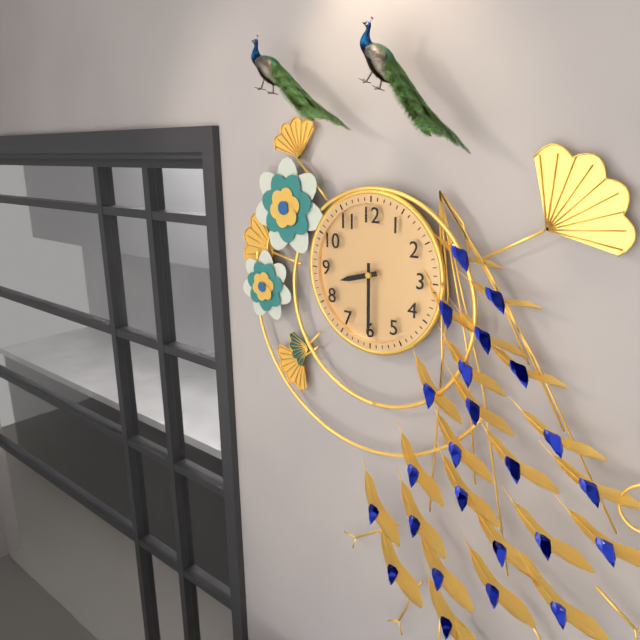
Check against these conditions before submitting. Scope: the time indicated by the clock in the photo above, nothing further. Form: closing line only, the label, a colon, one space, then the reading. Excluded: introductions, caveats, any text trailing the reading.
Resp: 8:30
